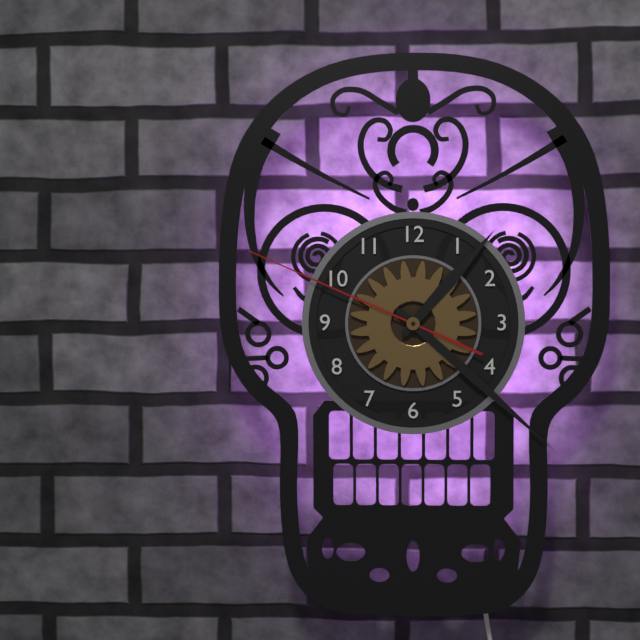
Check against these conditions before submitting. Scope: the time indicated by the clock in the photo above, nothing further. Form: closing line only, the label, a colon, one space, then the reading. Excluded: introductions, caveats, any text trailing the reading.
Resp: 1:22:49
